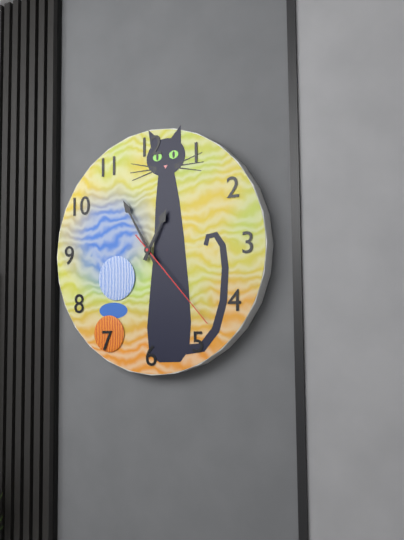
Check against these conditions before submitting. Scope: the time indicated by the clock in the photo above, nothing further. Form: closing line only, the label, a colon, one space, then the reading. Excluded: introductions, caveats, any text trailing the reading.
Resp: 12:55:23
